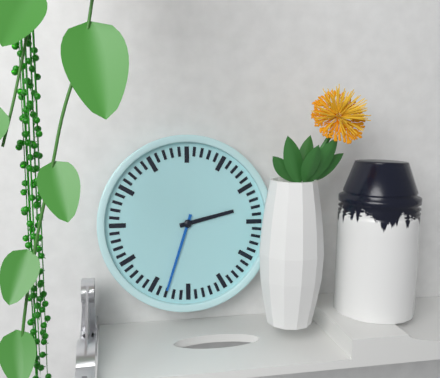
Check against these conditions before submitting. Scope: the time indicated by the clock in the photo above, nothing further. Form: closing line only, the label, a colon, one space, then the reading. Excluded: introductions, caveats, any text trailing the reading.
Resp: 2:33
